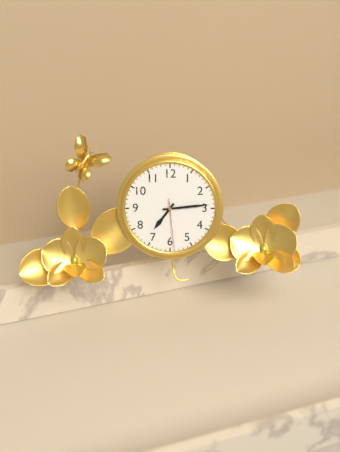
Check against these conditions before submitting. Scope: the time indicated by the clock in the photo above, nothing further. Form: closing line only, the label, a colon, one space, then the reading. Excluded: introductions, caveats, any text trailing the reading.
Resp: 7:14:29
